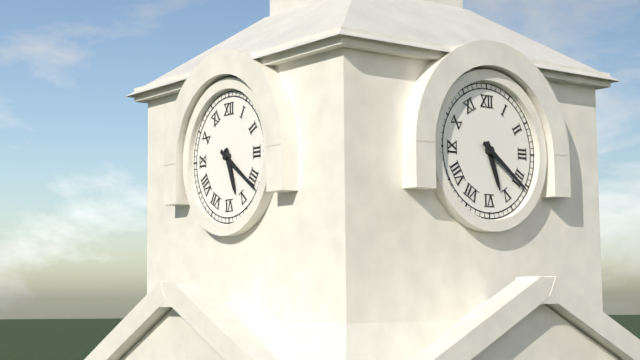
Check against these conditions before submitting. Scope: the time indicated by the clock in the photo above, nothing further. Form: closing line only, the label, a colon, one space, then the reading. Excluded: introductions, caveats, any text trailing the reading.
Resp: 5:21
